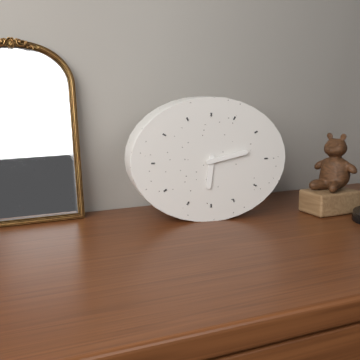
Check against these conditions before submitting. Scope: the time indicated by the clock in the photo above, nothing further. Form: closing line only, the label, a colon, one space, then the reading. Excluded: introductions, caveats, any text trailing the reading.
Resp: 6:13
